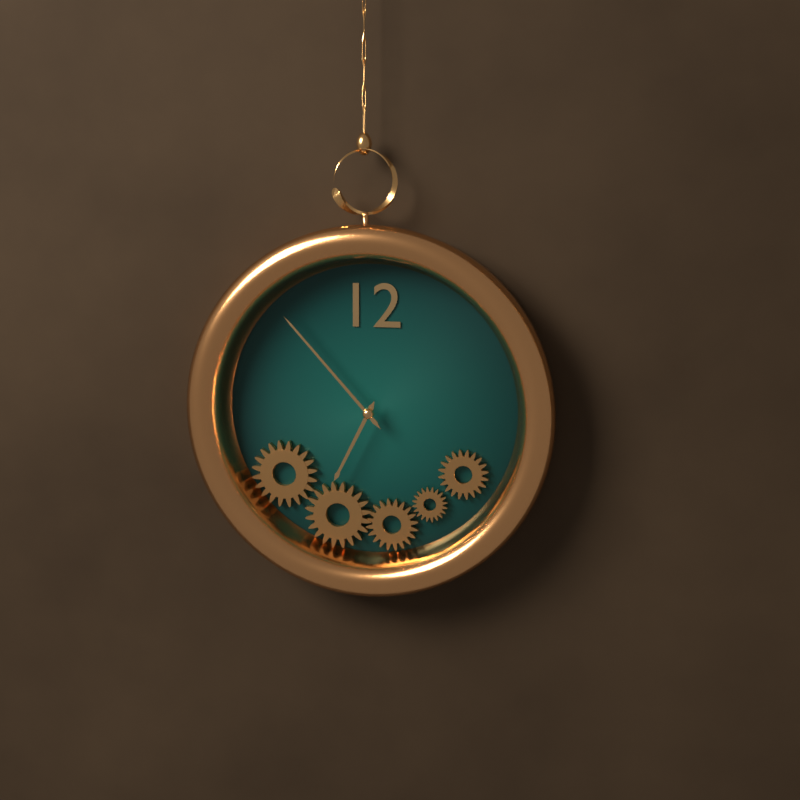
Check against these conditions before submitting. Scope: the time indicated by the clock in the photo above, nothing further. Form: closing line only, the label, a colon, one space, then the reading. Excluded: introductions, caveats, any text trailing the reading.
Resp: 6:53
